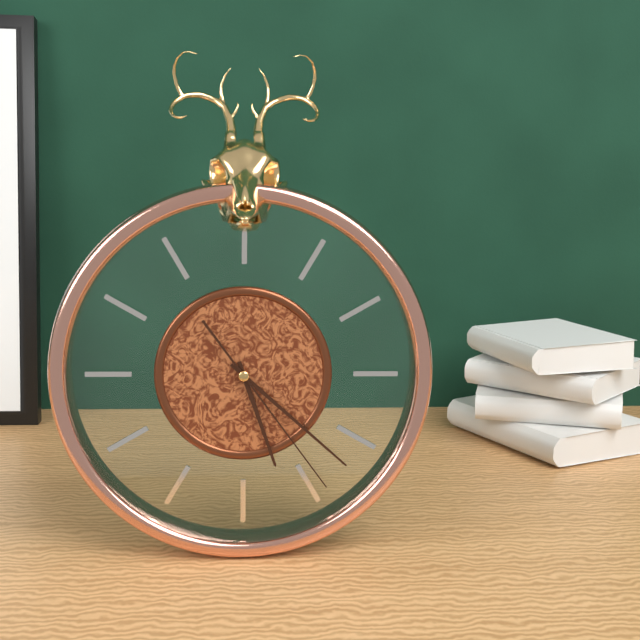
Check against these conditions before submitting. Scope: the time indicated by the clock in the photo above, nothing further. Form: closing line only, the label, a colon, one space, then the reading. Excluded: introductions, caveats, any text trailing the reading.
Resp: 5:22:24
